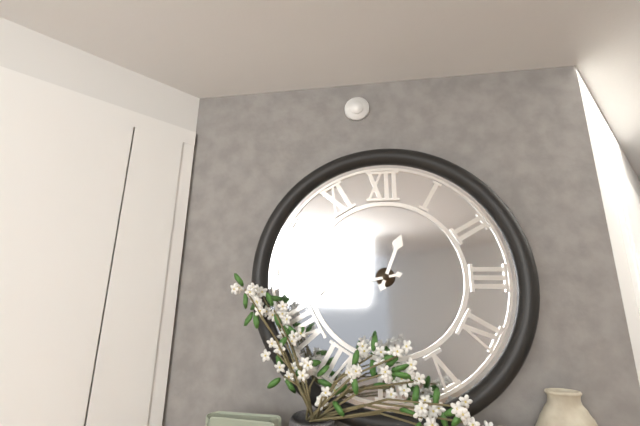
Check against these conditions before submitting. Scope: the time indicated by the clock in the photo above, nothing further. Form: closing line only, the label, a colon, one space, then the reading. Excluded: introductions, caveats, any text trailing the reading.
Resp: 12:43
